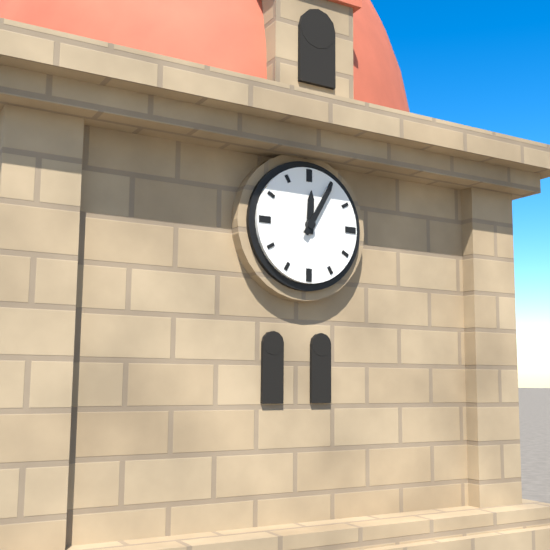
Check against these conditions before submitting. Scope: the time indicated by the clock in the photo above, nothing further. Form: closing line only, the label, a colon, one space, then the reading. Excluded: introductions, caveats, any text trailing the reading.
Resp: 12:05
